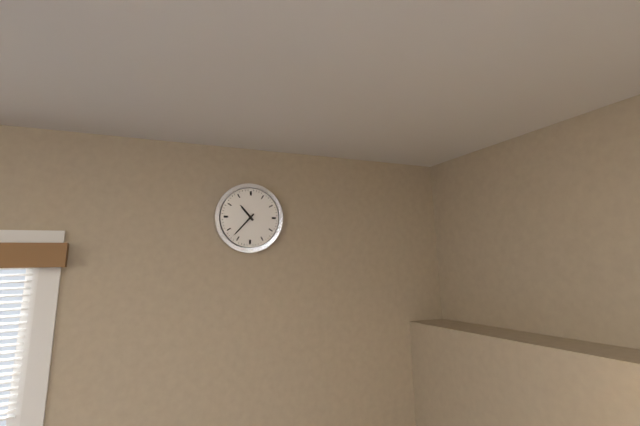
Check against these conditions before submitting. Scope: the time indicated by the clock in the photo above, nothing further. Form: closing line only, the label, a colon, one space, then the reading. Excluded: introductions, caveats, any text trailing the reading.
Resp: 10:37
